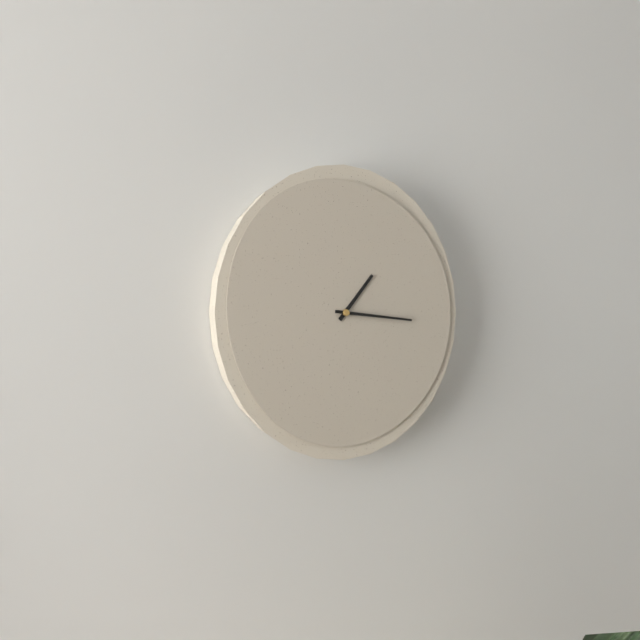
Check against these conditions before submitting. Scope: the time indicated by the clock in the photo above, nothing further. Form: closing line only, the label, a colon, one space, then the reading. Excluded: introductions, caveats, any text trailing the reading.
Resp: 1:16
